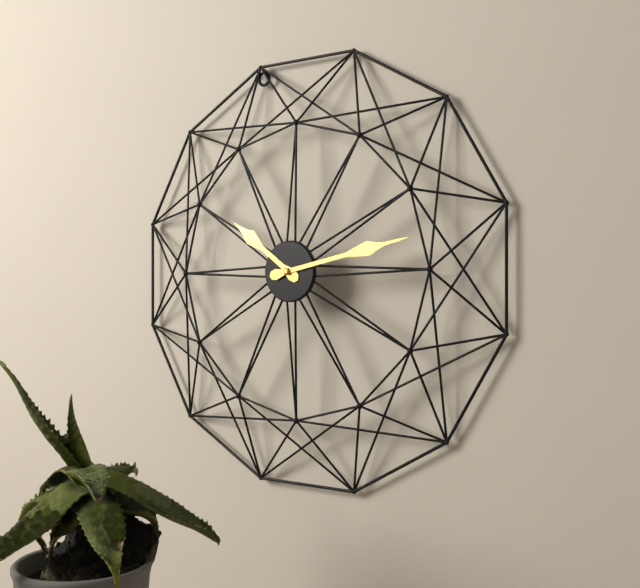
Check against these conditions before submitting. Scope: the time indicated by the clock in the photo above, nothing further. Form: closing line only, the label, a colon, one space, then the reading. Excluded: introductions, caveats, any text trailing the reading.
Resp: 10:13
